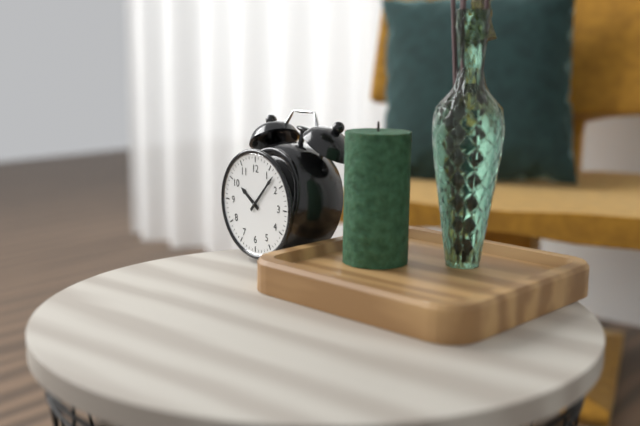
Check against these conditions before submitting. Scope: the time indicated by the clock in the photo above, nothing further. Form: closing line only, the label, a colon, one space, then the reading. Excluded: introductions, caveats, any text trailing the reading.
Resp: 10:07
